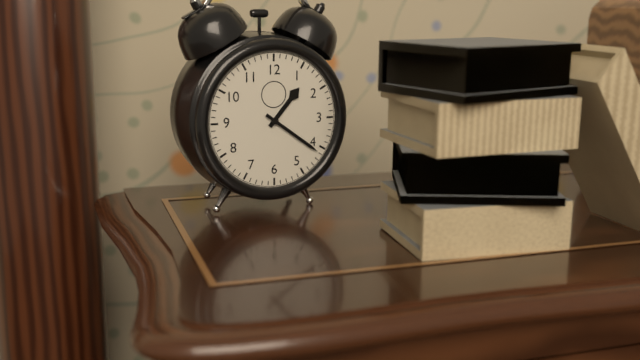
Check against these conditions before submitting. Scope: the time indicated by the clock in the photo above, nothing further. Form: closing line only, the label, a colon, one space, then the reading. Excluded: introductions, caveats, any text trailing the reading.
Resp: 1:21
